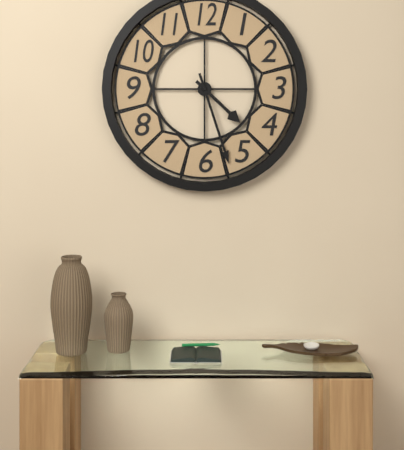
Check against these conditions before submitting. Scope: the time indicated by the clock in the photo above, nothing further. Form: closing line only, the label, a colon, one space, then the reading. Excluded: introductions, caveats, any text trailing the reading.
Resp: 4:27
